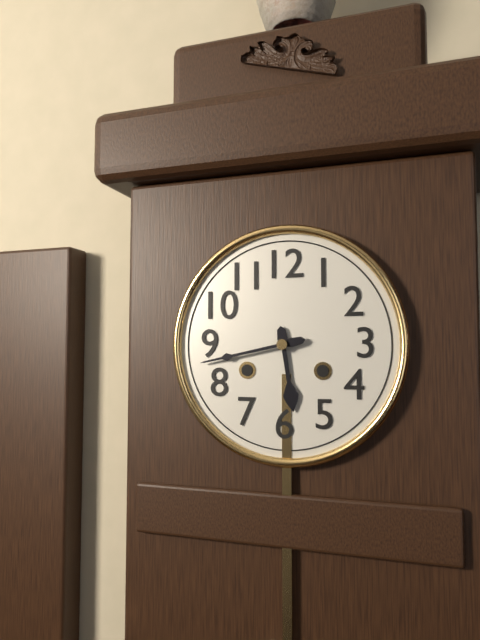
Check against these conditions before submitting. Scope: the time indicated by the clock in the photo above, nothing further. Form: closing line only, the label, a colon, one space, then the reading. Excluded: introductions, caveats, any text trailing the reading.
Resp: 5:43
